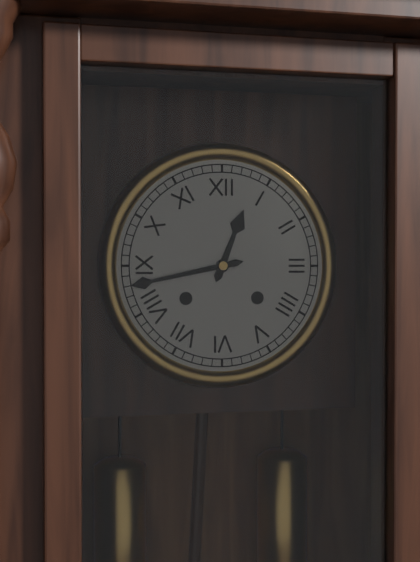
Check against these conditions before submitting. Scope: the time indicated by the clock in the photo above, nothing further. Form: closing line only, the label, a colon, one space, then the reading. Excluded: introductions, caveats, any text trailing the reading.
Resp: 12:43
